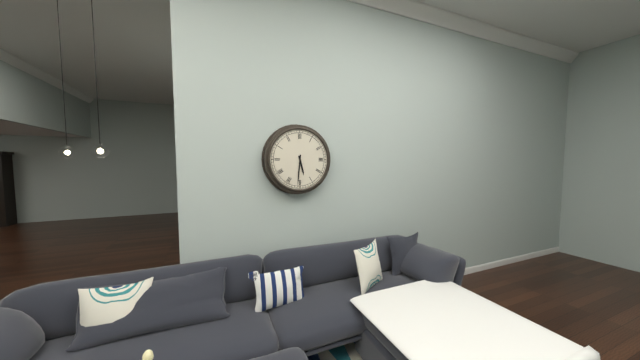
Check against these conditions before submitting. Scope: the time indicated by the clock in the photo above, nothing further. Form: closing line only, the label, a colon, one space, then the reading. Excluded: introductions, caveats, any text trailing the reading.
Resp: 5:31
